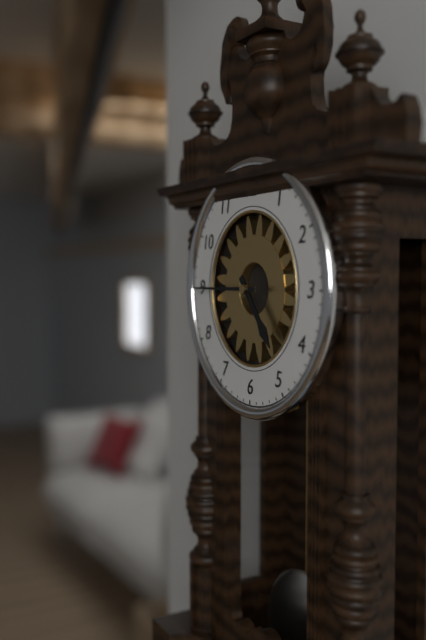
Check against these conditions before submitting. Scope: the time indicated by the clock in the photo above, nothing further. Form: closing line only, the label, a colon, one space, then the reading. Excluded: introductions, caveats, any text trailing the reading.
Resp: 4:45
